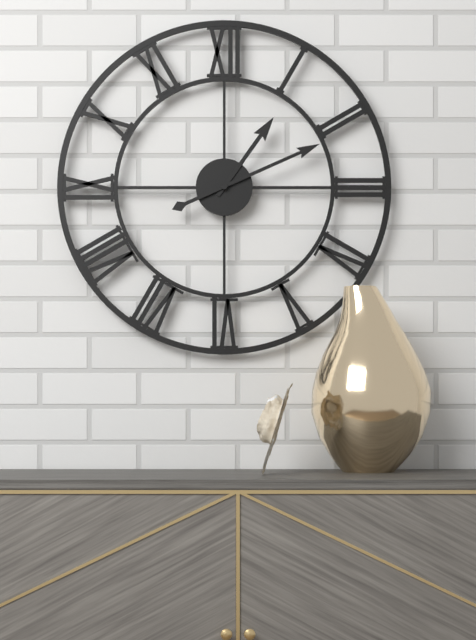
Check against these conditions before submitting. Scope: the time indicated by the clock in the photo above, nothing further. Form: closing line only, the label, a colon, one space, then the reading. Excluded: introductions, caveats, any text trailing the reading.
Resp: 1:11
